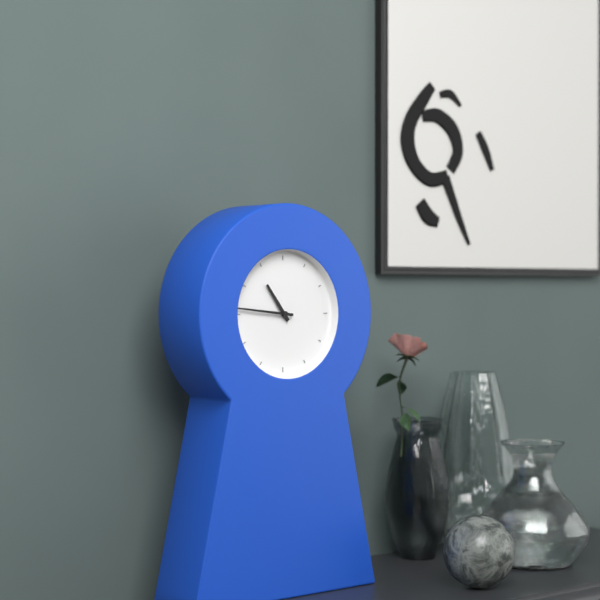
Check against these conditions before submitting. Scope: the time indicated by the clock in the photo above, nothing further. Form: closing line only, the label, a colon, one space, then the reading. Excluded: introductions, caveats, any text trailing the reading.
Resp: 10:46
